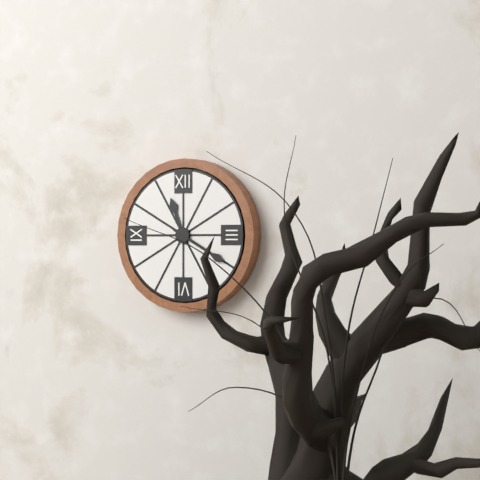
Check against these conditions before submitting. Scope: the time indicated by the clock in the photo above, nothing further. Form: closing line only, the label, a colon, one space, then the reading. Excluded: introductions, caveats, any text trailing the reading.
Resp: 11:20
